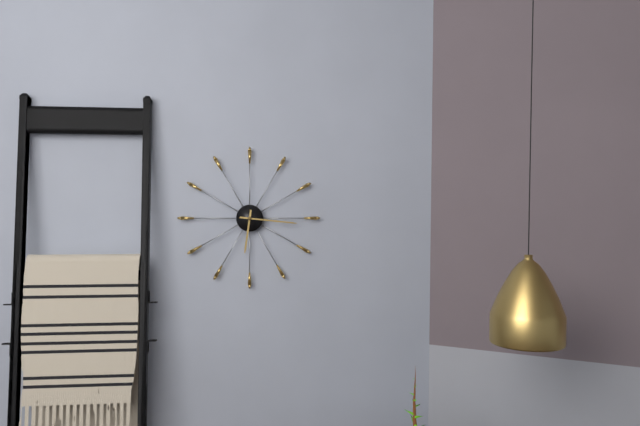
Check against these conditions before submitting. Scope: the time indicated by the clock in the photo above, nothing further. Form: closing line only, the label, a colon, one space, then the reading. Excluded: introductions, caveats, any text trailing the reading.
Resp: 6:16
